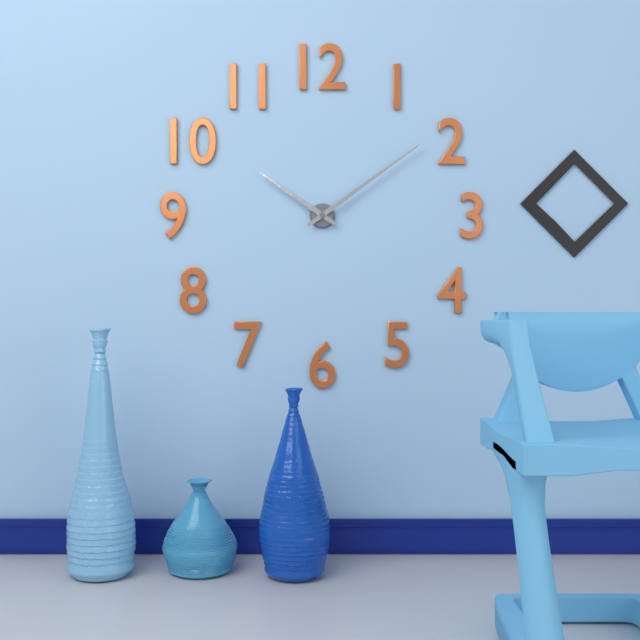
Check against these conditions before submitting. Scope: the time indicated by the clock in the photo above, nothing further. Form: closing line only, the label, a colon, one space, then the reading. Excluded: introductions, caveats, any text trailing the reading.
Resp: 10:09
